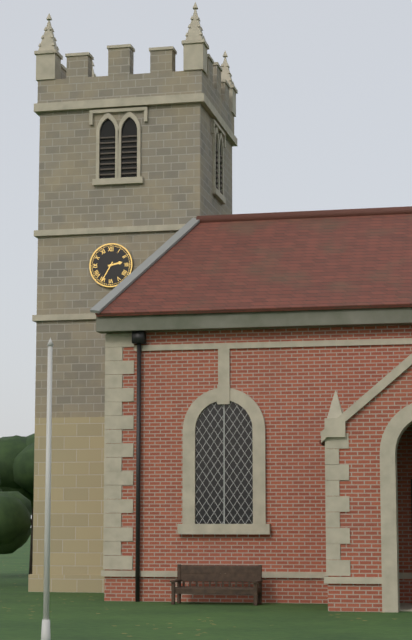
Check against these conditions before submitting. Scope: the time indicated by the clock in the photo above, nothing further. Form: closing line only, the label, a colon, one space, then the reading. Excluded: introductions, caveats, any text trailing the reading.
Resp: 2:35
